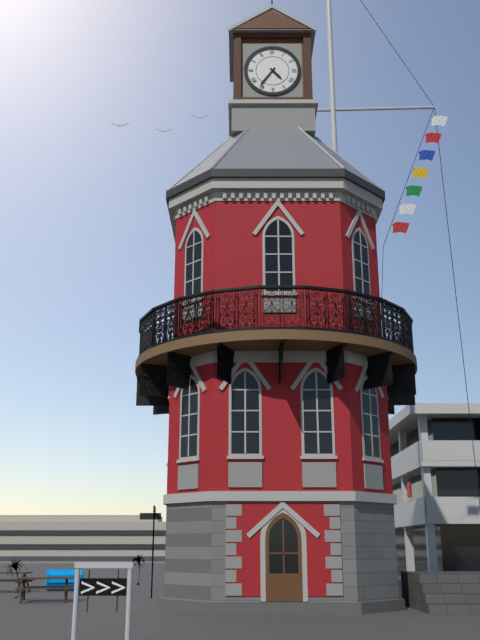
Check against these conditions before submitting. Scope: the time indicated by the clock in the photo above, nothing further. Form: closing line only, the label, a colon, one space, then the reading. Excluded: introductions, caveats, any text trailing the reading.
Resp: 4:36
